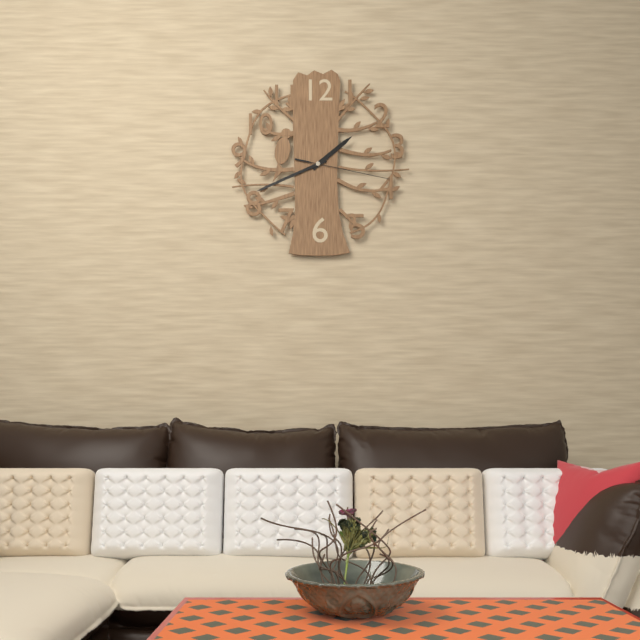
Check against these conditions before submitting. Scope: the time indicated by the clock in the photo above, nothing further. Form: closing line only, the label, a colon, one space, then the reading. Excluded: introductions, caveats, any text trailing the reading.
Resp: 1:41:17
